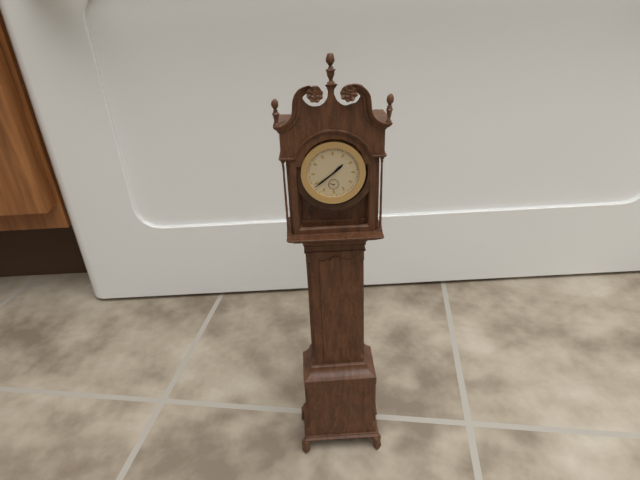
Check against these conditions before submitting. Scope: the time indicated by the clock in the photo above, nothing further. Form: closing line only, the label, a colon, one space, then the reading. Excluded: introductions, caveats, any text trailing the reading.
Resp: 1:39
